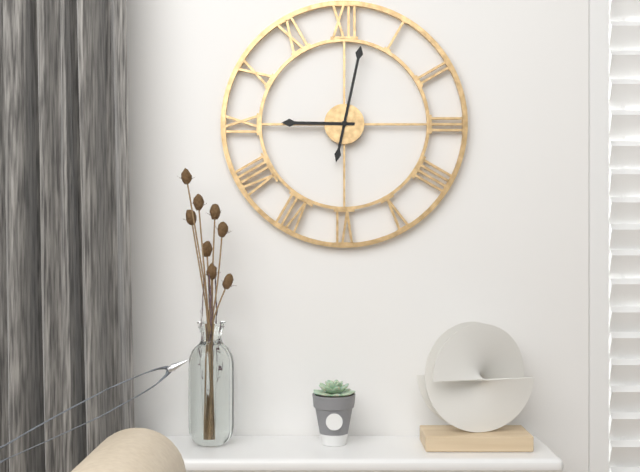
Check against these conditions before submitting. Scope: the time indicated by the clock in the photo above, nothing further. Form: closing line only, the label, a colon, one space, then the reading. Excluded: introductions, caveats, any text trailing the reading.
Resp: 9:02
